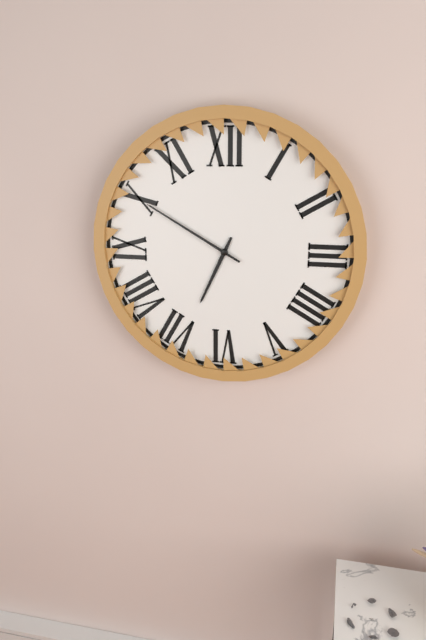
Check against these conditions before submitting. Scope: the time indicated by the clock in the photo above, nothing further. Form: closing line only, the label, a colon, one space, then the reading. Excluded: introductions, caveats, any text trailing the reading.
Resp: 6:50
